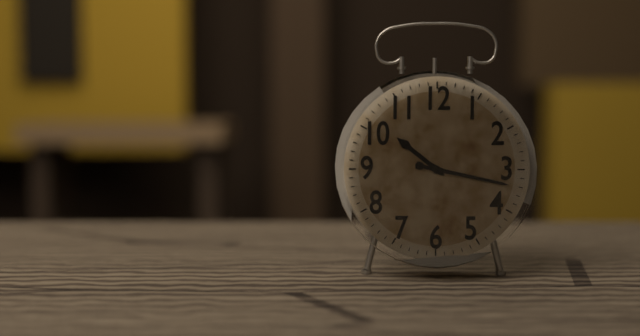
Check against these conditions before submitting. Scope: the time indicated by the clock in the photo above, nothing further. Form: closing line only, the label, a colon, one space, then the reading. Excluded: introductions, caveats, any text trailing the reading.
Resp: 10:17
